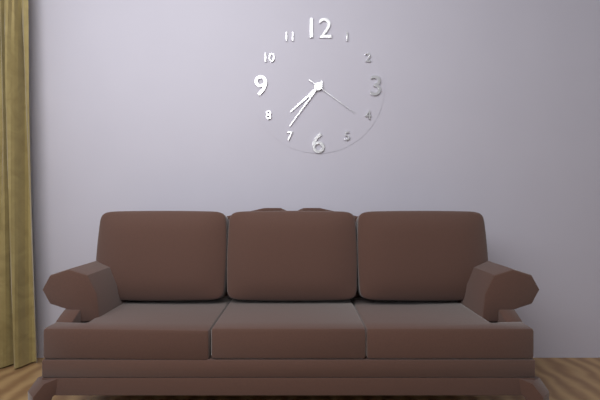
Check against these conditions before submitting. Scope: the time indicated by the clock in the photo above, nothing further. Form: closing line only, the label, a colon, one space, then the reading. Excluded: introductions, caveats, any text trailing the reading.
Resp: 7:36:21
